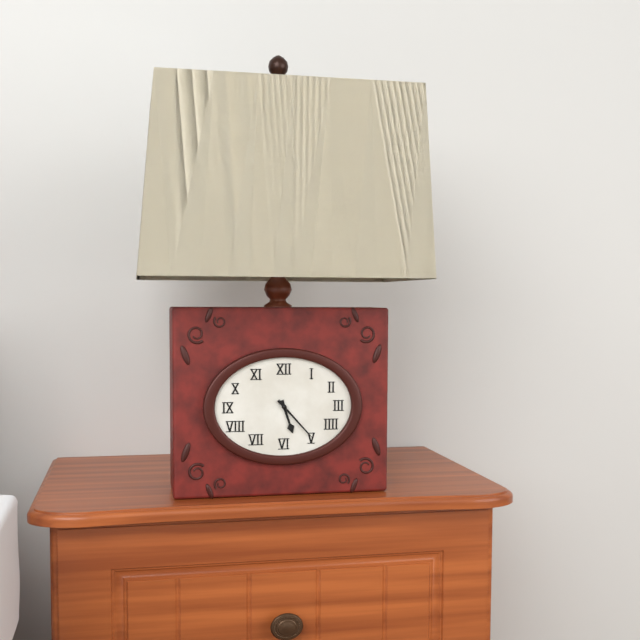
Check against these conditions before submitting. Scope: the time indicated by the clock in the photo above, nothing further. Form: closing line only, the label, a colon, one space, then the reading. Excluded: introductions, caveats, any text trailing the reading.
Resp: 5:23
